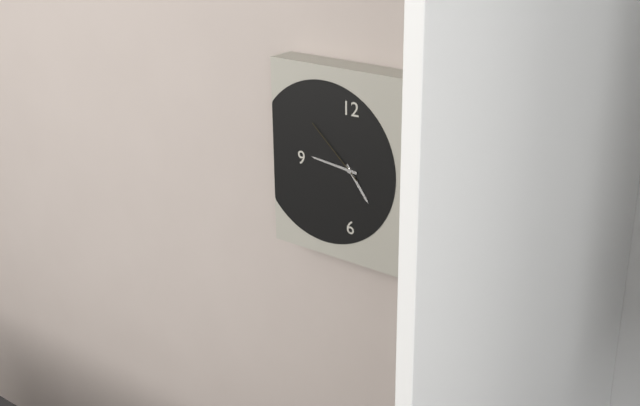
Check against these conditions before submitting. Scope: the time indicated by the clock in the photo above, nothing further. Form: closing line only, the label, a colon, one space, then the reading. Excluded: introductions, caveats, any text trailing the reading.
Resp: 4:46:52
